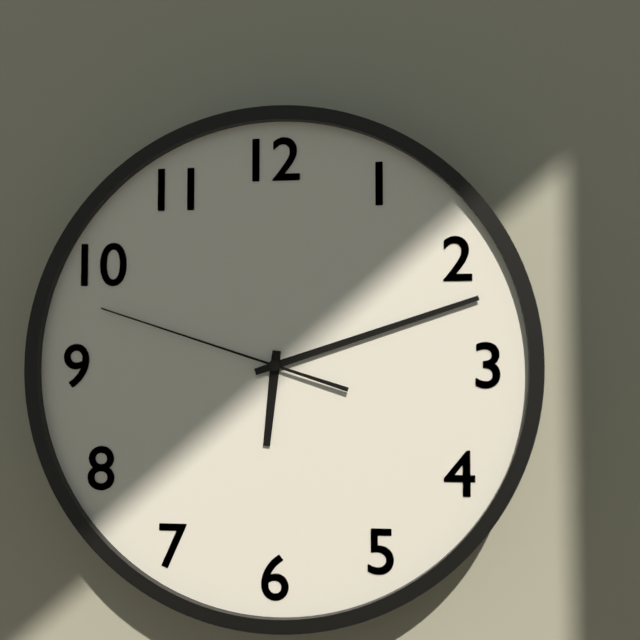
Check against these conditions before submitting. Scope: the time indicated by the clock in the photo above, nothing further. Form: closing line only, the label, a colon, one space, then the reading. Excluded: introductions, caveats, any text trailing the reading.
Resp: 6:12:48
